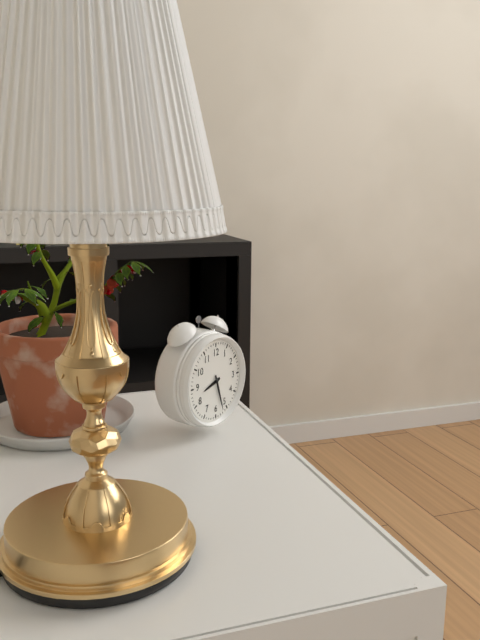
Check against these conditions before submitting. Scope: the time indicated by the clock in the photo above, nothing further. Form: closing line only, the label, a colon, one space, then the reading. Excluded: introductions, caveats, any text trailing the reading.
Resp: 8:27
